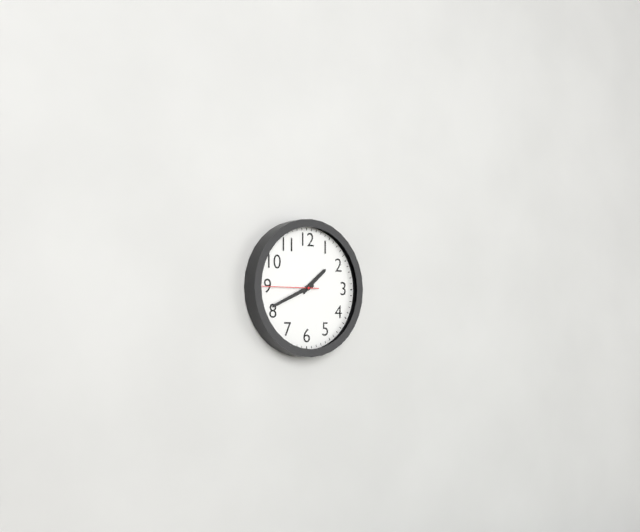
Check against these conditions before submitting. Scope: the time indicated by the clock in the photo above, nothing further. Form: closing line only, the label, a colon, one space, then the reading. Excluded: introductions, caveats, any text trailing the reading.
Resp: 1:41:45
